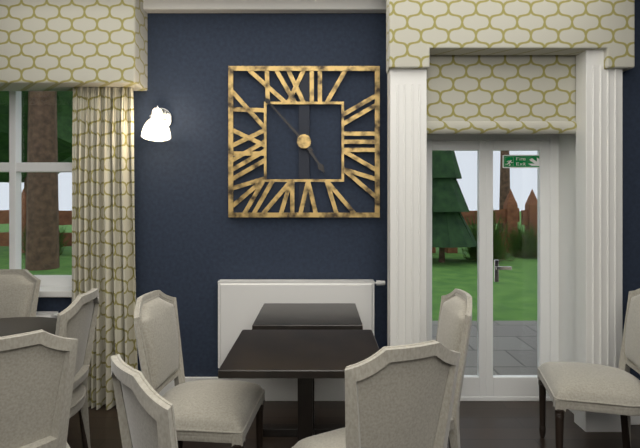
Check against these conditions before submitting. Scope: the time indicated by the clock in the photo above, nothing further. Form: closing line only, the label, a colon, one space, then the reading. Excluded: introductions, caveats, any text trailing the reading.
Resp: 4:53
